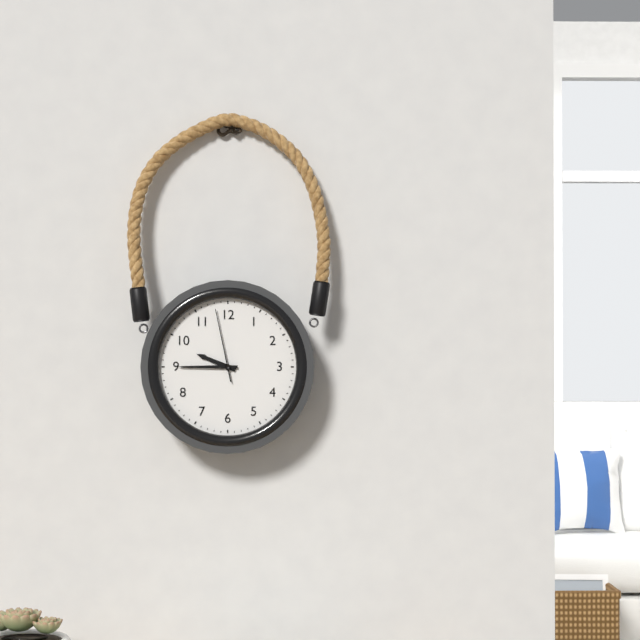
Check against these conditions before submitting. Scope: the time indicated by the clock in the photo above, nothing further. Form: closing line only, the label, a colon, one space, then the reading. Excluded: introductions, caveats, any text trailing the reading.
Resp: 9:45:58
